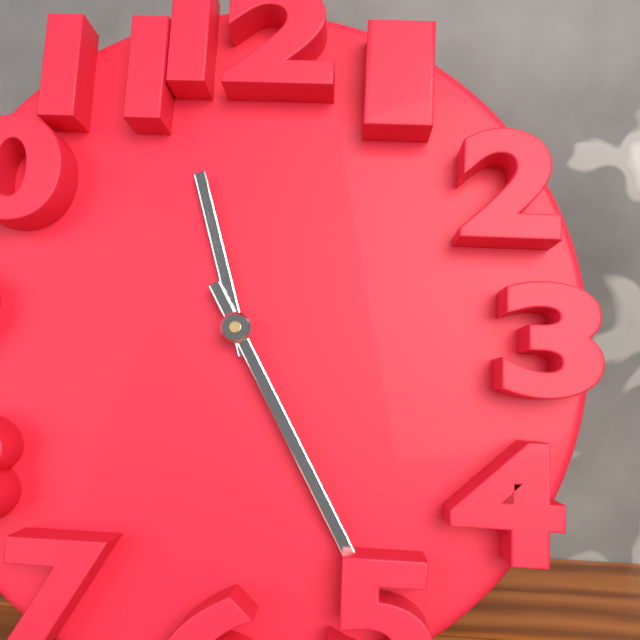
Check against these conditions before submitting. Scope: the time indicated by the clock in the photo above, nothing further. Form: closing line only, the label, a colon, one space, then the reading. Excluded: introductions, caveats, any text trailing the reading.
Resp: 11:25
